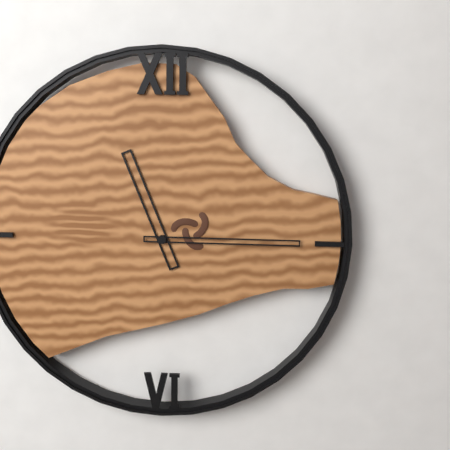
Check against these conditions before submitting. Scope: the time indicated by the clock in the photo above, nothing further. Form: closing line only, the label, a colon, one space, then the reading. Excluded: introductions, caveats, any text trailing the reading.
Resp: 11:15
